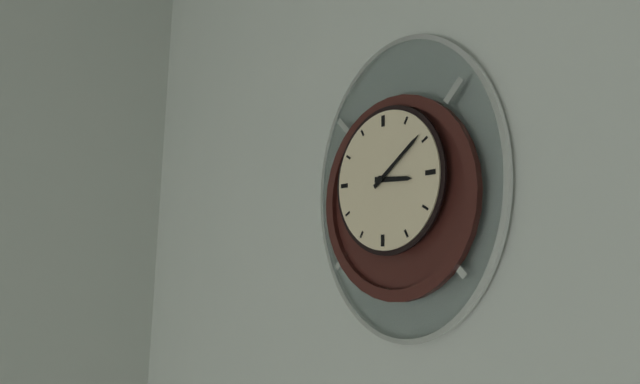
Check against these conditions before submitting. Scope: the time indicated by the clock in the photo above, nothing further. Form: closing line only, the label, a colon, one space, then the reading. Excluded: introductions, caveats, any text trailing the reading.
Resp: 3:09
